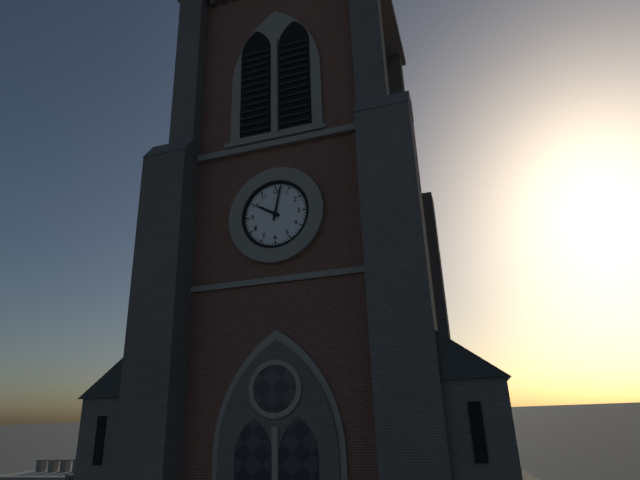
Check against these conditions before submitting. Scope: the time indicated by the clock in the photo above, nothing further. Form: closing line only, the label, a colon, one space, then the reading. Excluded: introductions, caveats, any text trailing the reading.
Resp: 10:02
